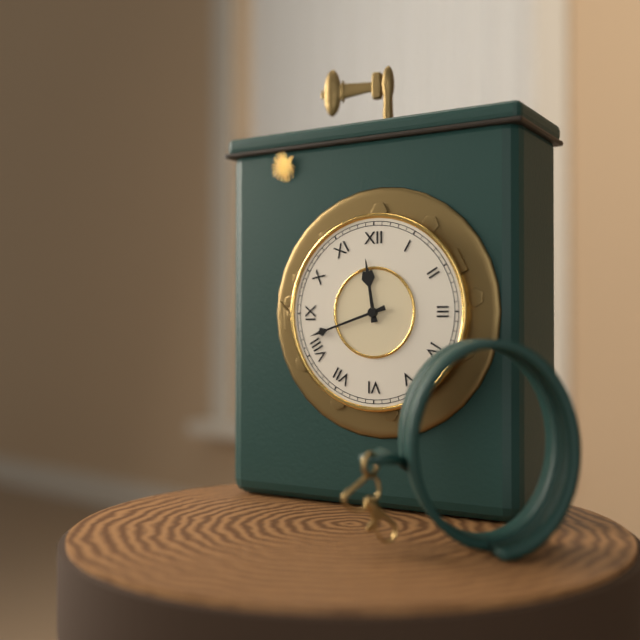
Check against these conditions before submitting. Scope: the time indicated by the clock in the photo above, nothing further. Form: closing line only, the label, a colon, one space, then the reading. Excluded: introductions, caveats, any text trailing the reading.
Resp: 11:42
